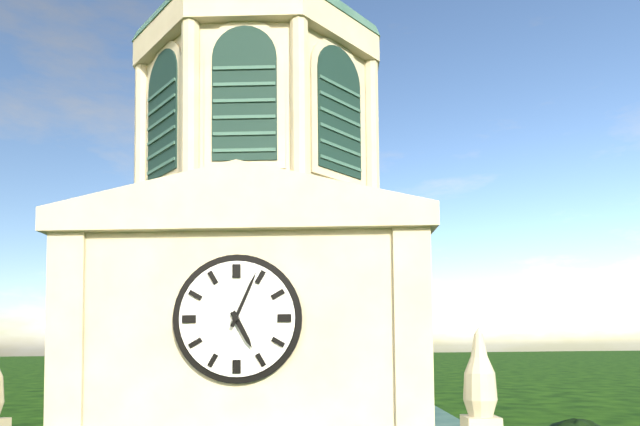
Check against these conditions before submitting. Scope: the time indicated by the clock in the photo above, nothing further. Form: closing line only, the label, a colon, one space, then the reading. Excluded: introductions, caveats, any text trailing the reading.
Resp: 5:04
